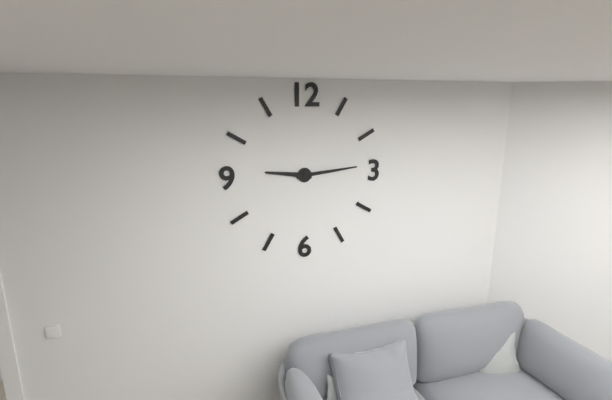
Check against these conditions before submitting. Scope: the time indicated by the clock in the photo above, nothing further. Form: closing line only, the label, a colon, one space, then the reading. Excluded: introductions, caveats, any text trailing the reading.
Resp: 9:14
